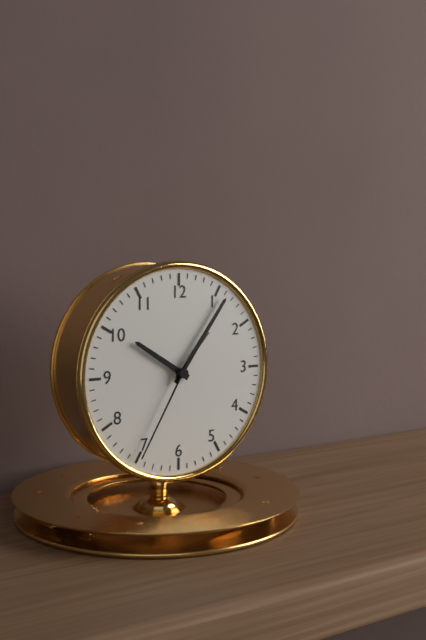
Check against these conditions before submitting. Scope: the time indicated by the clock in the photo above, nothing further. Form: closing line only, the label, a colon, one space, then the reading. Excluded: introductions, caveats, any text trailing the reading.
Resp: 10:06:35
